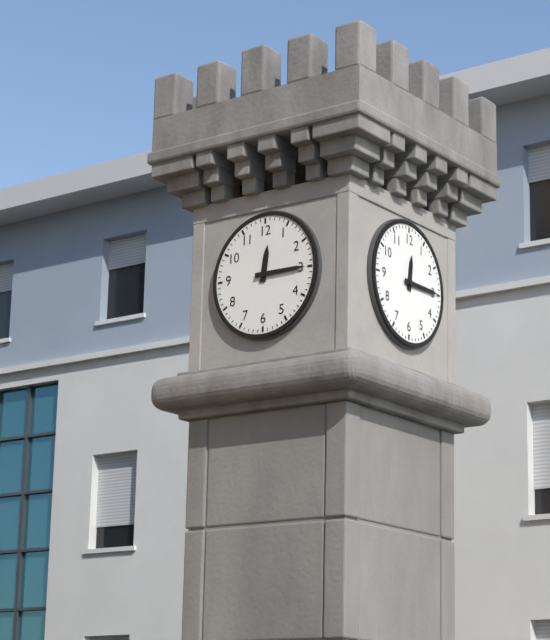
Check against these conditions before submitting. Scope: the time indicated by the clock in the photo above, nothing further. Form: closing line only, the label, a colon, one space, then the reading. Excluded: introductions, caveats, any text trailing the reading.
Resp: 12:15
